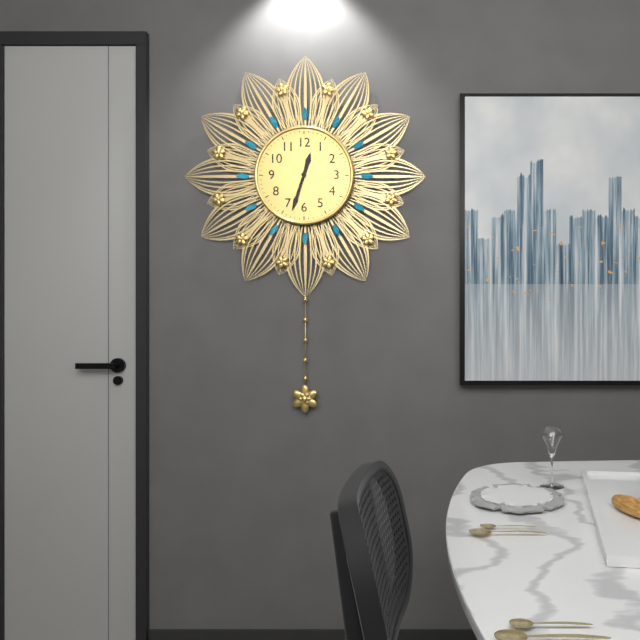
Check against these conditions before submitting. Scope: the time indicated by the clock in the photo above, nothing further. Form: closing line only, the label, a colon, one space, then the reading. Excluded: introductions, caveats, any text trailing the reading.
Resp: 12:33
